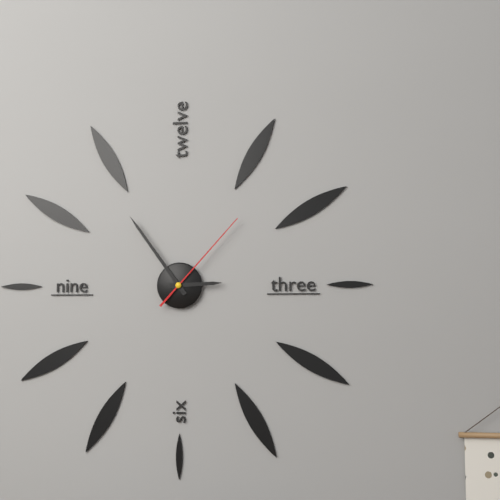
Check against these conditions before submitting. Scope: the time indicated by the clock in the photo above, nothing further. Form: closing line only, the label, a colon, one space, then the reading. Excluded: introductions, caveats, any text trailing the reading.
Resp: 2:54:07
